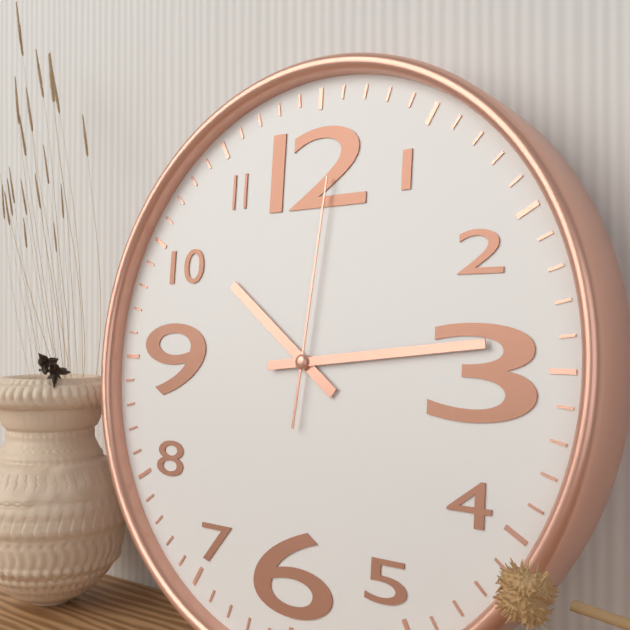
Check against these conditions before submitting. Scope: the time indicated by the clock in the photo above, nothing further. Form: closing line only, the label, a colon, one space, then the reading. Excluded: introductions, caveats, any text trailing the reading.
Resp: 10:14:01
